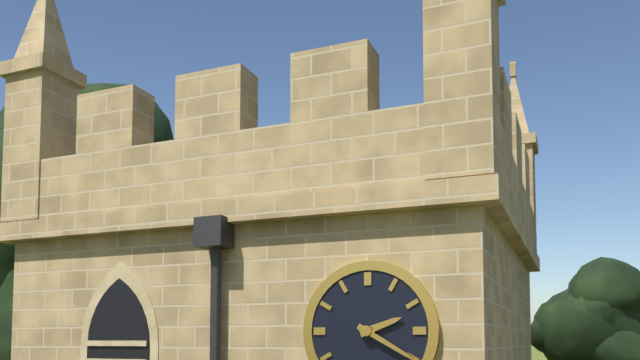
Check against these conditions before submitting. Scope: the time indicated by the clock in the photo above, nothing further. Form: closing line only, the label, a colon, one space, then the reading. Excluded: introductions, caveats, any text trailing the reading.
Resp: 2:20
